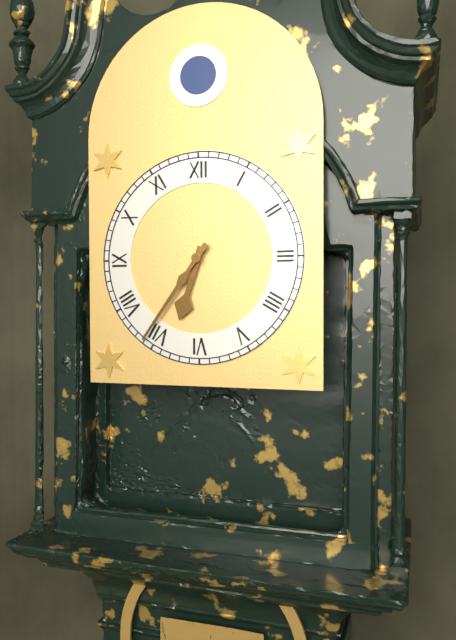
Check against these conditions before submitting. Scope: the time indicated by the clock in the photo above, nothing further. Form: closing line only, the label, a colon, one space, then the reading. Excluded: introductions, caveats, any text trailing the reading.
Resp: 6:36
